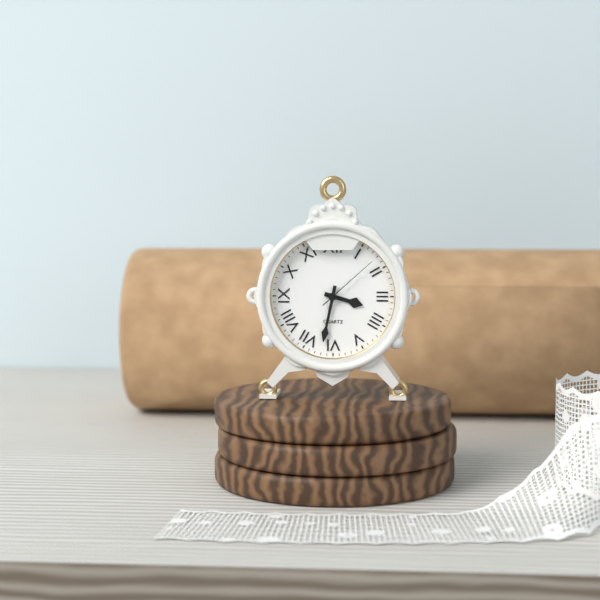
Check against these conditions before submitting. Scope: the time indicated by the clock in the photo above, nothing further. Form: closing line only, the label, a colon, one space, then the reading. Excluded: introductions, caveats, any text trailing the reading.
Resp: 3:32:08
